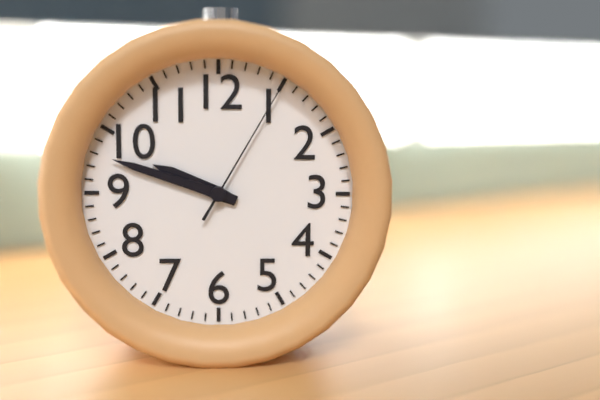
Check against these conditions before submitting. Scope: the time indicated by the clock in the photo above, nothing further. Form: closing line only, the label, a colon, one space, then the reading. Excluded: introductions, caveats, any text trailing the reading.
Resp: 9:48:05
